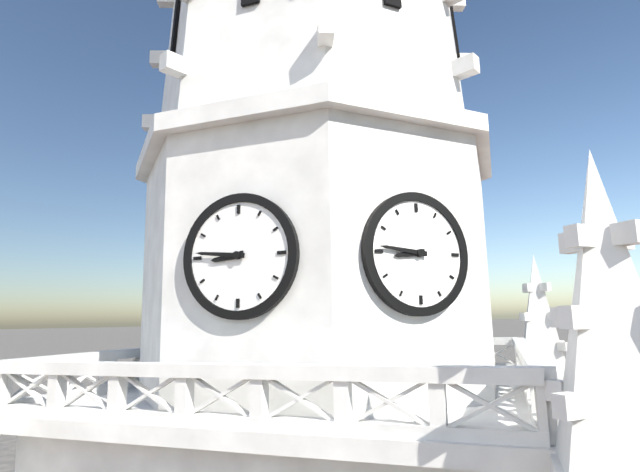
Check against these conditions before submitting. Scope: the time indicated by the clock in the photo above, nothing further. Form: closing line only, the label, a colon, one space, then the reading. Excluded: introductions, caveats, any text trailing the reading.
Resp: 8:46
